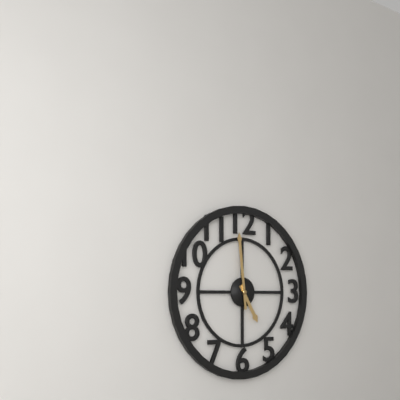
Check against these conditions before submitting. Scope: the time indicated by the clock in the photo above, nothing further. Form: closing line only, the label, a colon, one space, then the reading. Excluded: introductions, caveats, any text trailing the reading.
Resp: 4:59
